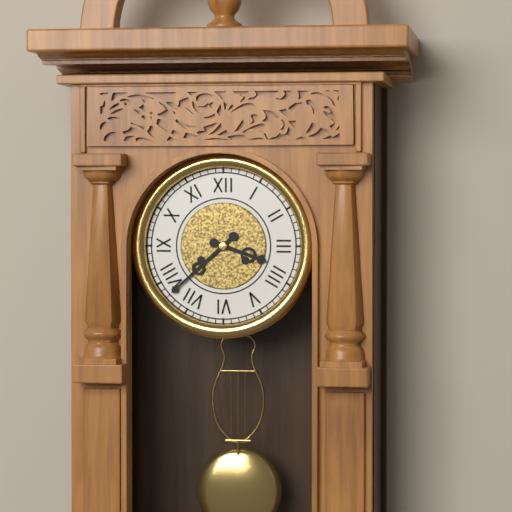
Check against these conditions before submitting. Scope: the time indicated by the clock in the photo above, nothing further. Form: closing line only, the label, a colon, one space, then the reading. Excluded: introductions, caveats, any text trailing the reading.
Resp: 3:38
